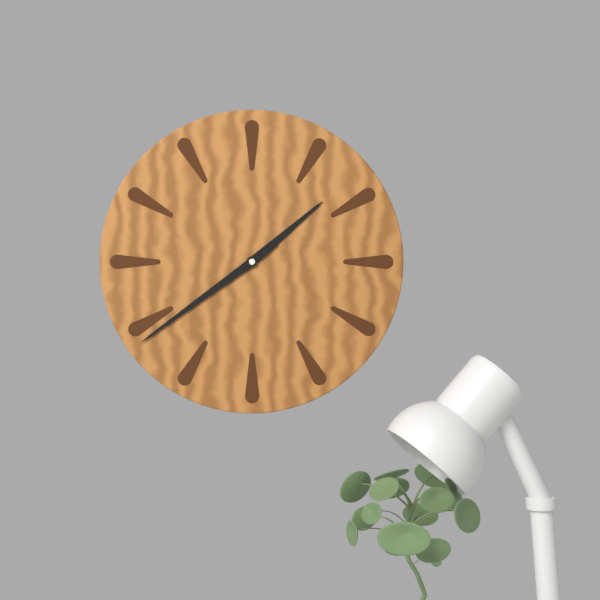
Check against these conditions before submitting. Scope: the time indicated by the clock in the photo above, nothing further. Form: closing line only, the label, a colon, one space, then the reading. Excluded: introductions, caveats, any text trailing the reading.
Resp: 1:39
